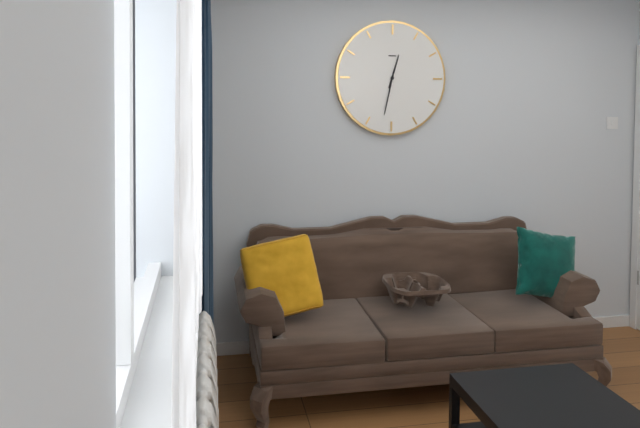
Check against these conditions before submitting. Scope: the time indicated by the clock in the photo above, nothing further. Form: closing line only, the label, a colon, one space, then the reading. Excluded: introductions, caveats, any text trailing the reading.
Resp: 12:32
